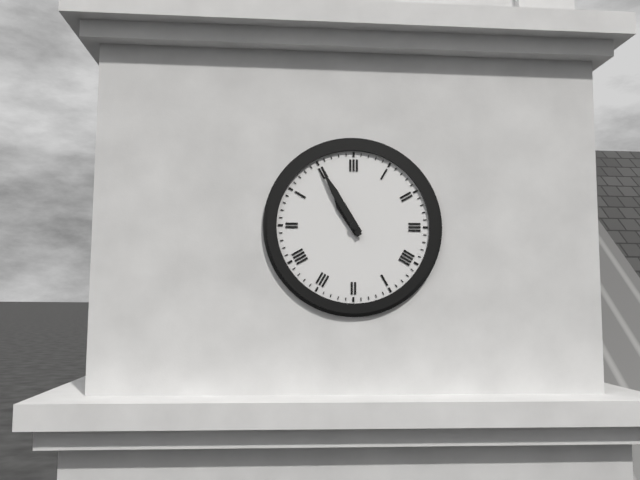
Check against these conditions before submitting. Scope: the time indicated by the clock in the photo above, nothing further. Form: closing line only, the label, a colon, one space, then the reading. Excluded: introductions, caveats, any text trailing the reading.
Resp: 10:55
